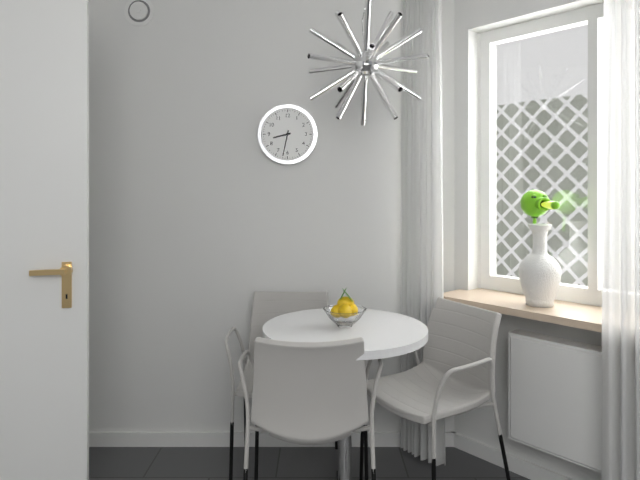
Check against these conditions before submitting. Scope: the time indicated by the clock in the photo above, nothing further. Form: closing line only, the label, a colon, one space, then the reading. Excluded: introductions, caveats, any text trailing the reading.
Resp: 8:32
